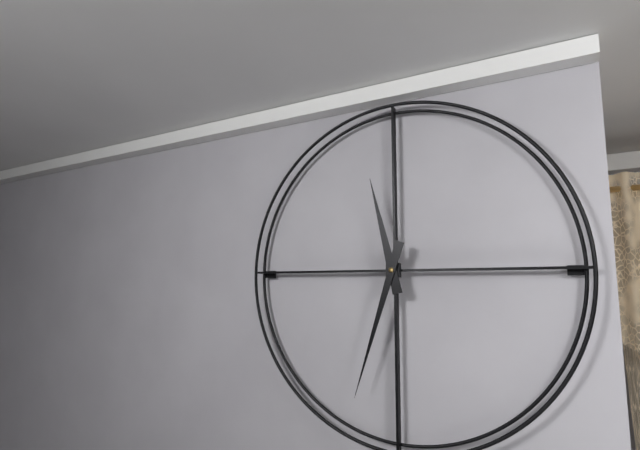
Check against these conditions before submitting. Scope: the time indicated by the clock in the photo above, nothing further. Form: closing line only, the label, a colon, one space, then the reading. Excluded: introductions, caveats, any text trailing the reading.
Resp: 11:33
